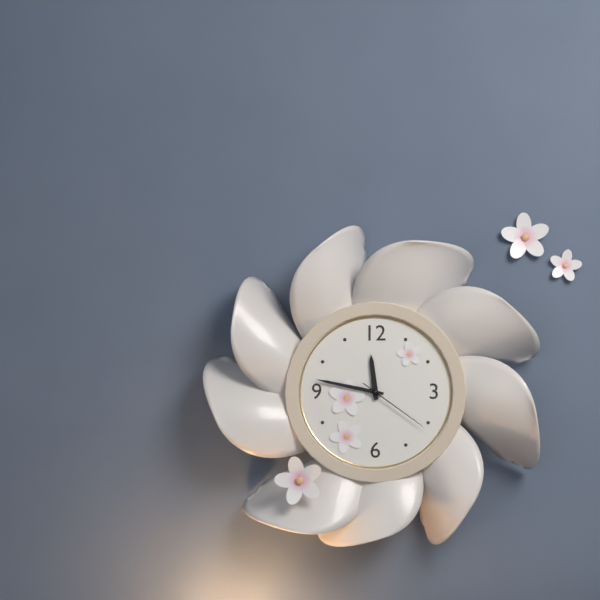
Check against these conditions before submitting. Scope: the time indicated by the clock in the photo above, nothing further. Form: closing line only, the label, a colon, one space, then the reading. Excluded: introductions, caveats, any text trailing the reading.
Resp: 11:47:21
